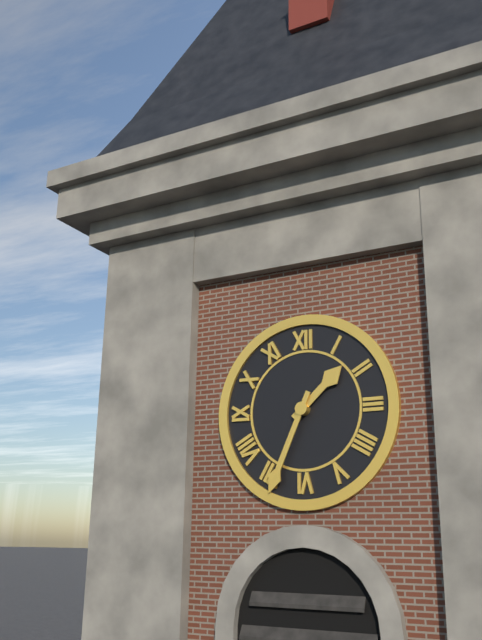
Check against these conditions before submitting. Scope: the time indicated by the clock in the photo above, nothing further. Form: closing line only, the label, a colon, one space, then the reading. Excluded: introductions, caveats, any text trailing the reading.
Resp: 1:34
